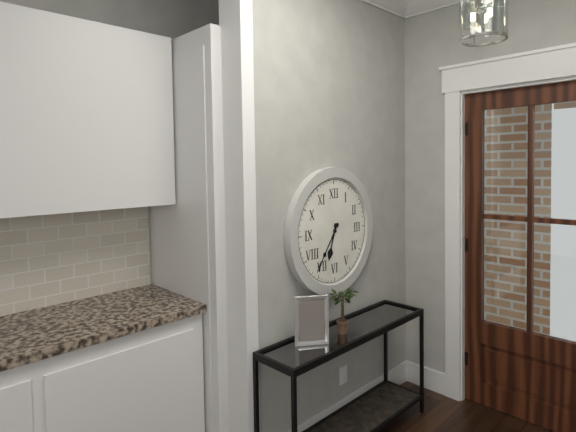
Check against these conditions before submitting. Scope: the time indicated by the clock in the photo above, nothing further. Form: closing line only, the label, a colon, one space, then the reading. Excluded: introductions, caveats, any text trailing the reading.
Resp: 6:36
